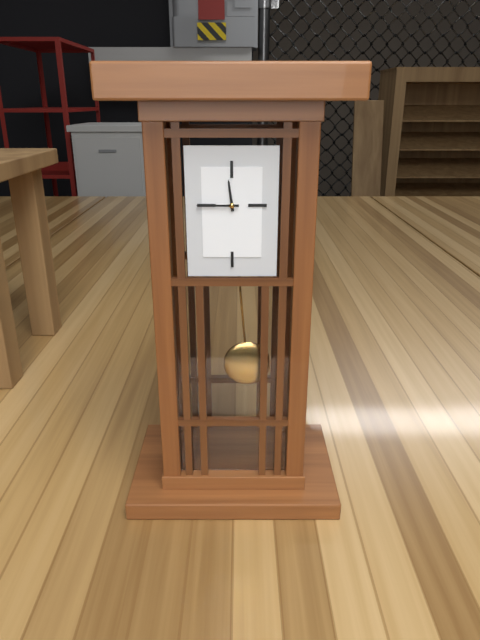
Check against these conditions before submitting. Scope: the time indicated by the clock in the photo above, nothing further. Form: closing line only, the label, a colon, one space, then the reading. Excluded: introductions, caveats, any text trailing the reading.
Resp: 11:45
